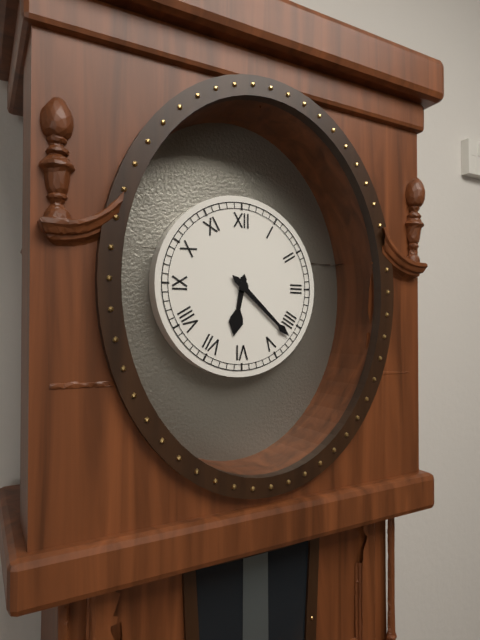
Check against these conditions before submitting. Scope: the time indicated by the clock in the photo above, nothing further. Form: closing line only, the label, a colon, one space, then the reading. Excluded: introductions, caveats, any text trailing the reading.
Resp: 6:22
